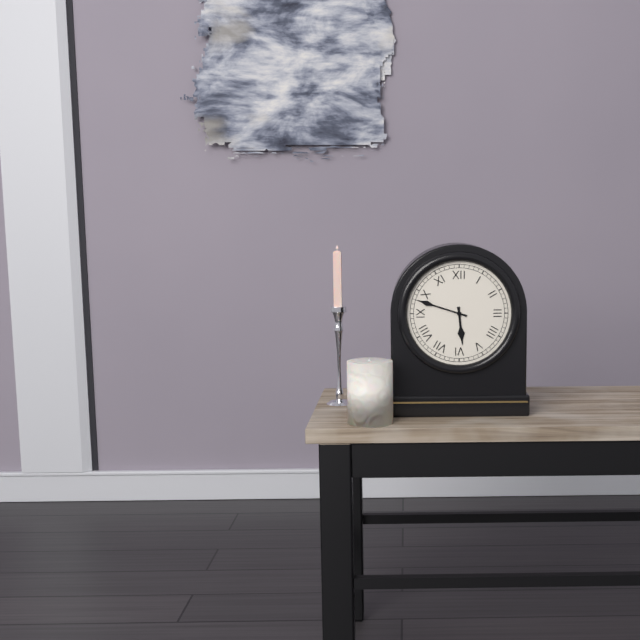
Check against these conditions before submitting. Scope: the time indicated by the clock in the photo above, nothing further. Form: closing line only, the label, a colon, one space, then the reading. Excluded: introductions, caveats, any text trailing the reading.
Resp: 5:48
